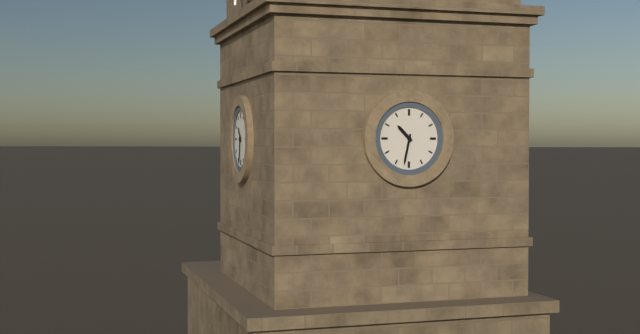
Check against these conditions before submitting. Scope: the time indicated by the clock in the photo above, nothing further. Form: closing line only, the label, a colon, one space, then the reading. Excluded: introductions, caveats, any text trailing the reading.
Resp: 10:32
